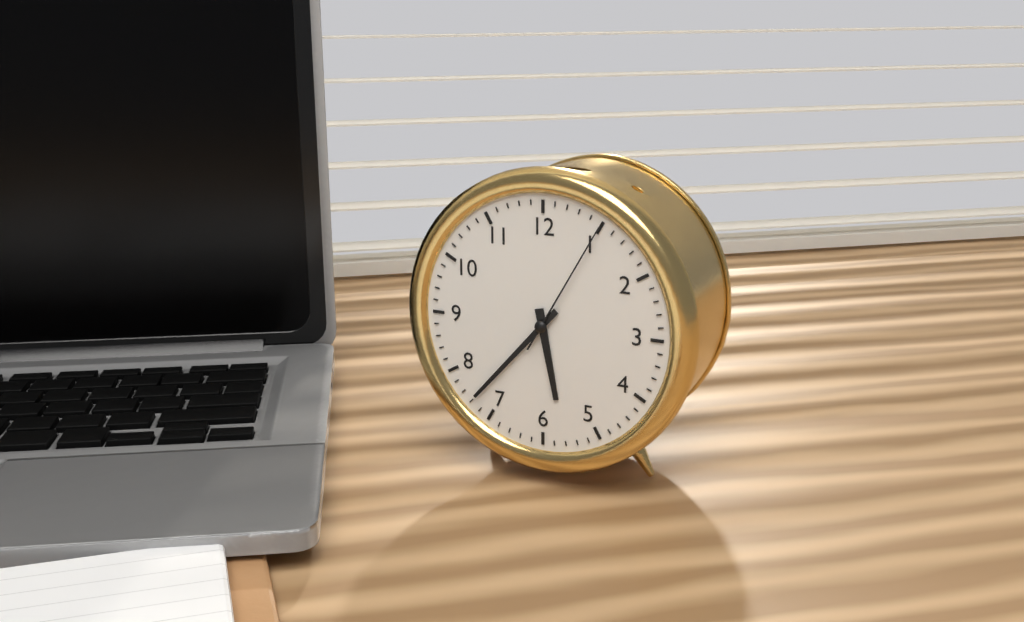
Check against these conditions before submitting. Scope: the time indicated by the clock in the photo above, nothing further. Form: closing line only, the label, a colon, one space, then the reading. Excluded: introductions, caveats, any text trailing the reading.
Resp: 5:37:05
